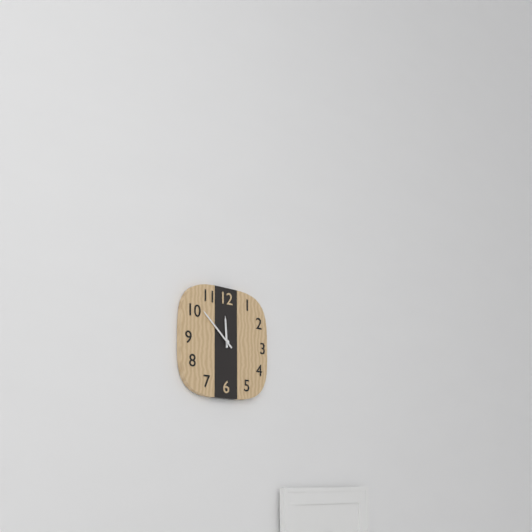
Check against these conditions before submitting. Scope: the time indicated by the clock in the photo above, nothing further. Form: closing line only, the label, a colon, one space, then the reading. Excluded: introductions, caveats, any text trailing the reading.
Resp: 11:52
